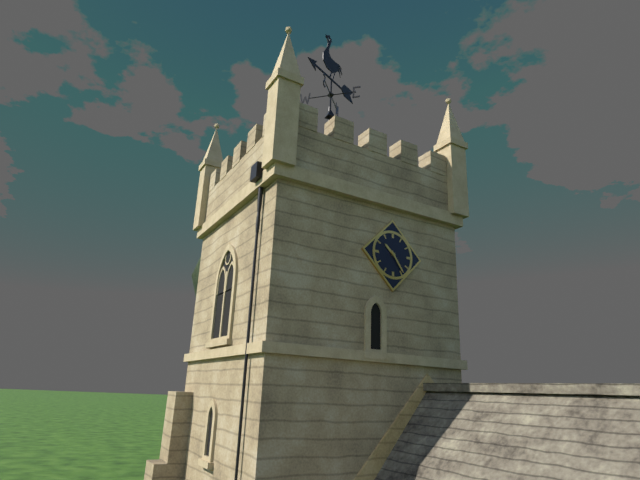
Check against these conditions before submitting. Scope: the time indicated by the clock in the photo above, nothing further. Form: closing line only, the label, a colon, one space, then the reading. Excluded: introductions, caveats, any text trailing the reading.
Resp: 10:24
